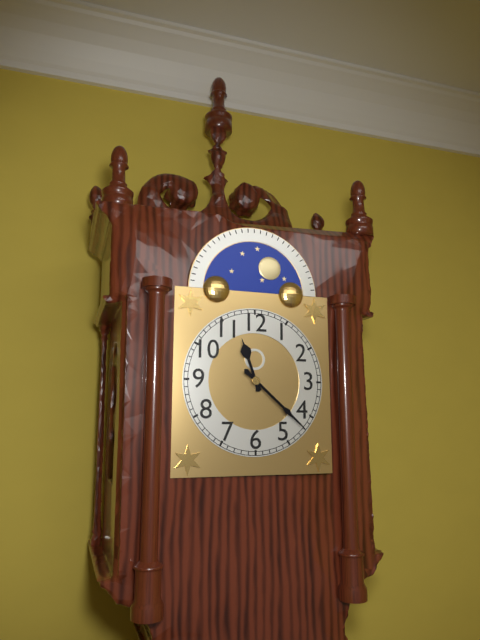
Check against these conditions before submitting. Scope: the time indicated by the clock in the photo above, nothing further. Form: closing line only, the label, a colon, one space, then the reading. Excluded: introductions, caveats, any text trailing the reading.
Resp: 11:22
